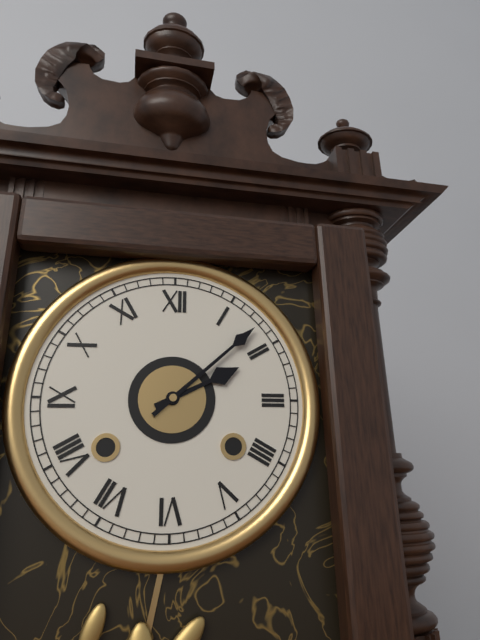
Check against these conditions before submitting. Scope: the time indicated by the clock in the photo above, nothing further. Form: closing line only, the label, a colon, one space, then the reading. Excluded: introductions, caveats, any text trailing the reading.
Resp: 2:08
